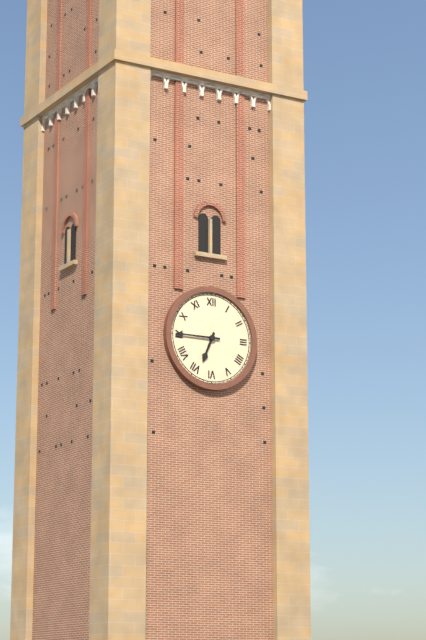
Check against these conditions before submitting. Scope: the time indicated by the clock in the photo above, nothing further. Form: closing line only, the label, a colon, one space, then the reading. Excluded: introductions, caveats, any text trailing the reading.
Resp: 6:45
